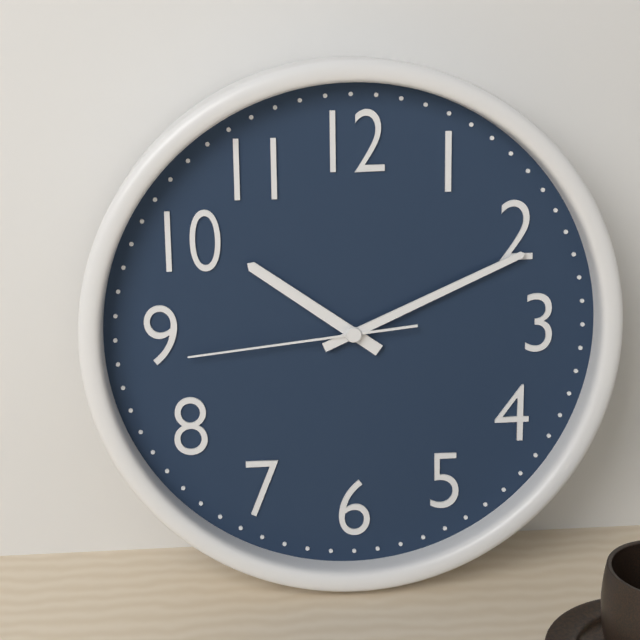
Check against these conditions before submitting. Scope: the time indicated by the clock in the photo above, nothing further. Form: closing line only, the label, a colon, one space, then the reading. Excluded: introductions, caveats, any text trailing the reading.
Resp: 10:11:44
